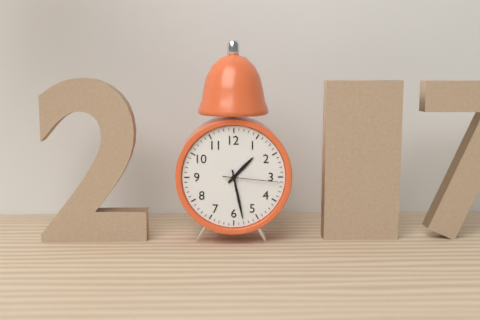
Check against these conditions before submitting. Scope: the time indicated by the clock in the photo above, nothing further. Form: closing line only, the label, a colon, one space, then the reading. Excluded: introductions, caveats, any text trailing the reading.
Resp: 1:28:16
